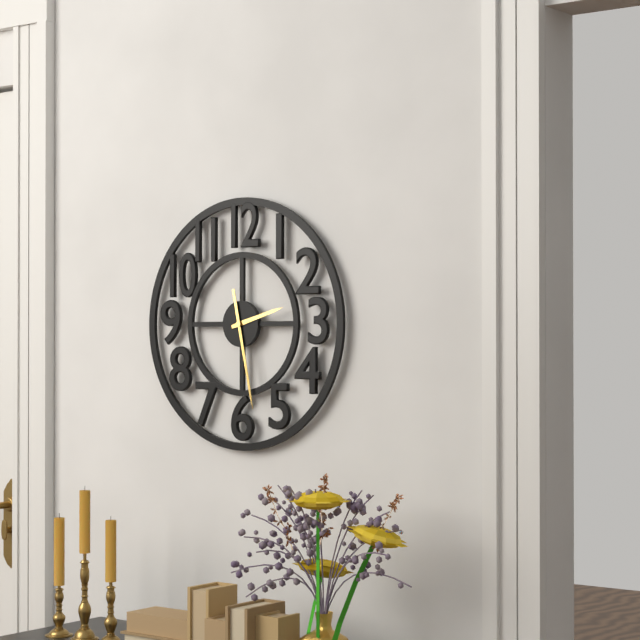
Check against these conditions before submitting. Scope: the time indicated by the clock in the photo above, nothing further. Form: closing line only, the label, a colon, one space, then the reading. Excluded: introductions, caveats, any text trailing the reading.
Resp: 2:28
